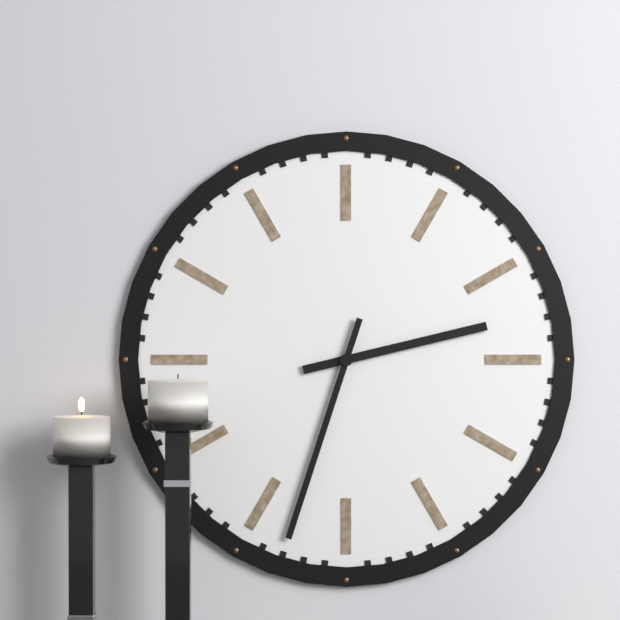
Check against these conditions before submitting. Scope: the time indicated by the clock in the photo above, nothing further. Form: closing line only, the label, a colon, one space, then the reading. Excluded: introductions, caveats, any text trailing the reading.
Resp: 2:33
